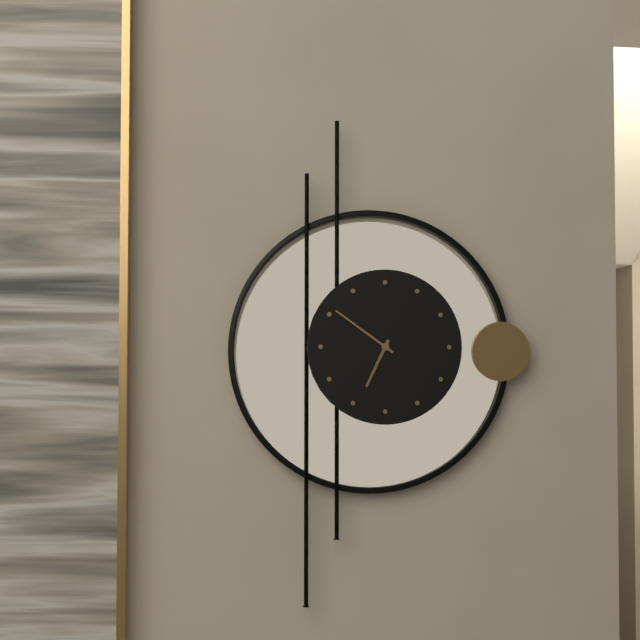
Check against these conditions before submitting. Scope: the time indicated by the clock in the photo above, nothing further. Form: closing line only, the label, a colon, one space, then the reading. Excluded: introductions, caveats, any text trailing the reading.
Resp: 6:51
